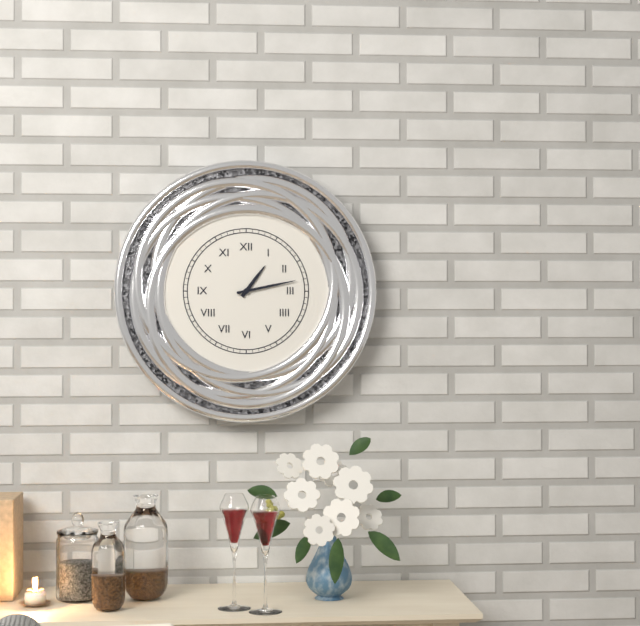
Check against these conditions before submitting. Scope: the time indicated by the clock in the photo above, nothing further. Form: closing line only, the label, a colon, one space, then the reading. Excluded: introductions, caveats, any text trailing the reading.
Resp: 1:13
